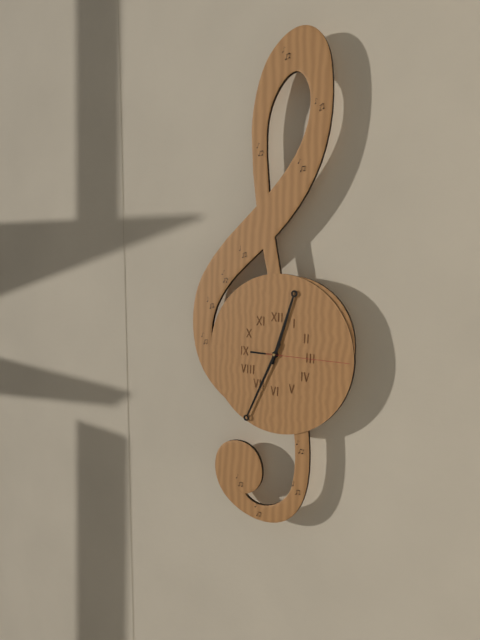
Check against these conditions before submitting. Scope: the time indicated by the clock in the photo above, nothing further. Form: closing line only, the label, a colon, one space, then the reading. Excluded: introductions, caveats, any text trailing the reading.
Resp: 12:34:15
